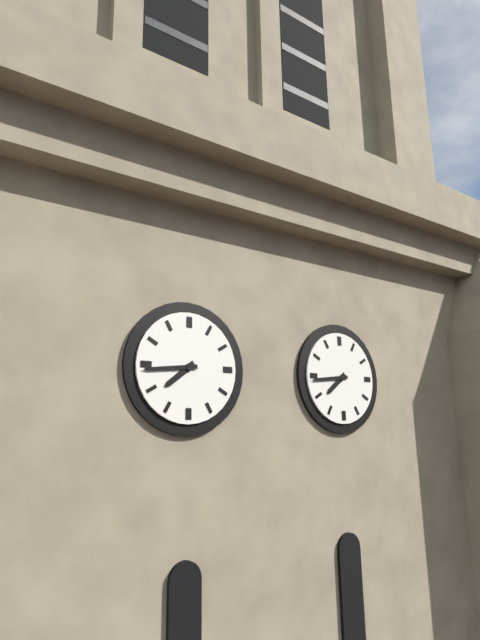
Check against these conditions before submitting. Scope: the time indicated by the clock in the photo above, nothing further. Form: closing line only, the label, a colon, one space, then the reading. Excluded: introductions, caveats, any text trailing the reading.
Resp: 7:44
